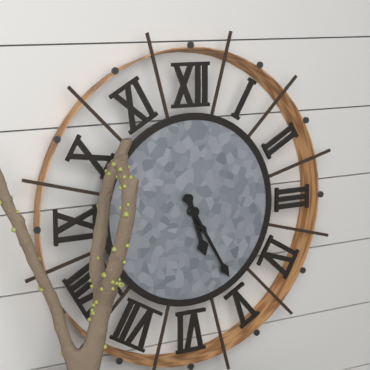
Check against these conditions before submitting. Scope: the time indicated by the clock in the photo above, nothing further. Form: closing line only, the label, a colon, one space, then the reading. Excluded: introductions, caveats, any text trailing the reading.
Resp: 5:25
